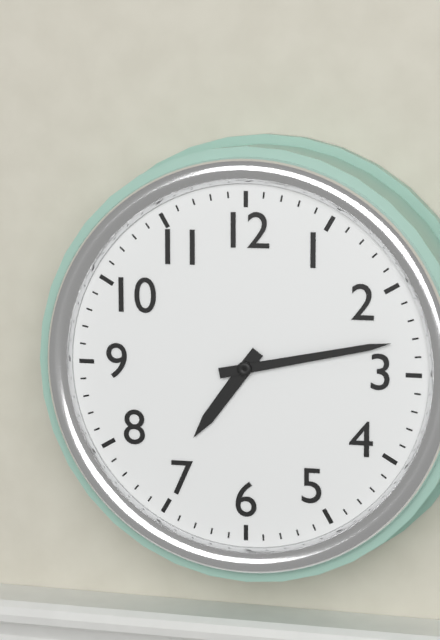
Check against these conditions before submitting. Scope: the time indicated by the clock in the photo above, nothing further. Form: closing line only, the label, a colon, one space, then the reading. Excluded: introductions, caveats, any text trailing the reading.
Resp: 7:13
